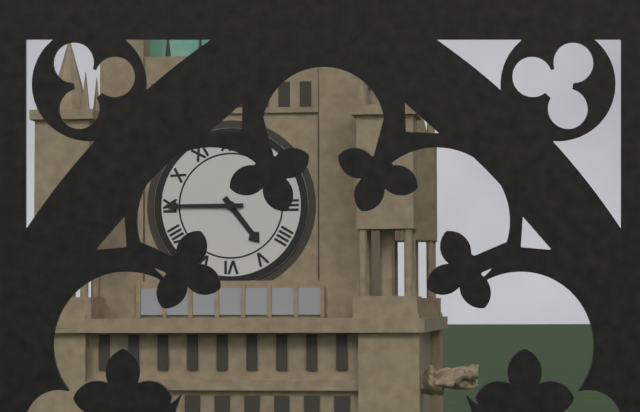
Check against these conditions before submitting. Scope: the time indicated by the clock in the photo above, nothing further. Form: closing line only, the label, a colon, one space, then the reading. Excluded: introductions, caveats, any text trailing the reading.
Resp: 4:45
